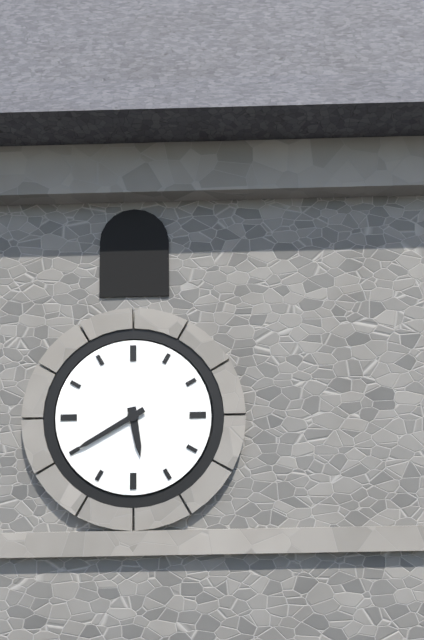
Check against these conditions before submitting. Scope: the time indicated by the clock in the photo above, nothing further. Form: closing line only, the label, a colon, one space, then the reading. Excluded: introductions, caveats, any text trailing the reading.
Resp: 5:40
